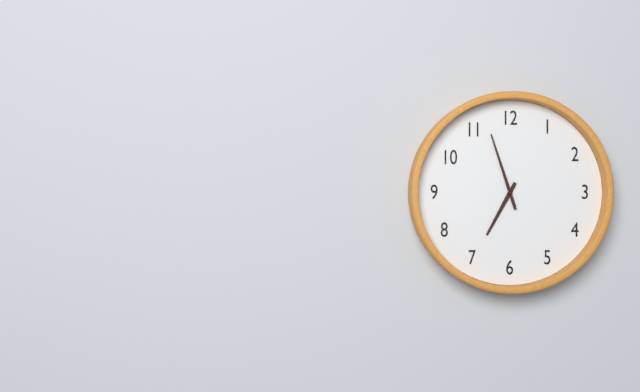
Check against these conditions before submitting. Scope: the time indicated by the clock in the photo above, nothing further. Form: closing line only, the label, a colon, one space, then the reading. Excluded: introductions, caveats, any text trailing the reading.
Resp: 6:57
